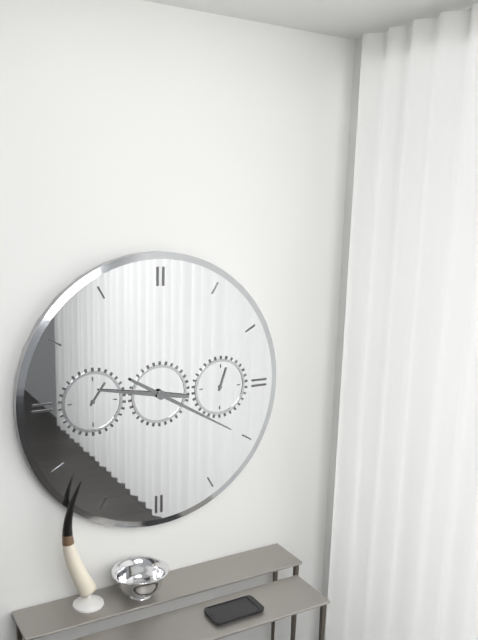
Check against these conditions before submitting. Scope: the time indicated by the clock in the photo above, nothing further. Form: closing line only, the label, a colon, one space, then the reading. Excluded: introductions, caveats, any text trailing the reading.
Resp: 9:20
